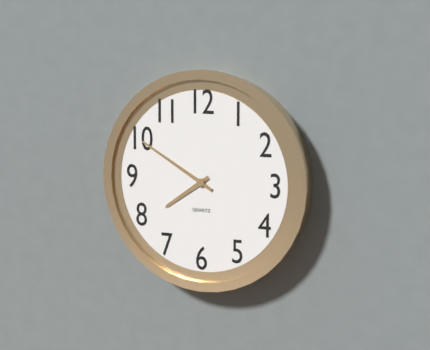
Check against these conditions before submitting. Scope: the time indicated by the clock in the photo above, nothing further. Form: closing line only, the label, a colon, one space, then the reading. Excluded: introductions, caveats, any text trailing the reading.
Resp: 7:50
